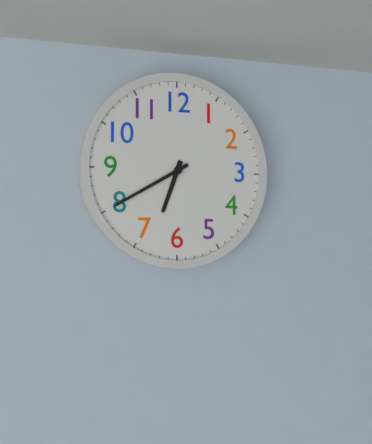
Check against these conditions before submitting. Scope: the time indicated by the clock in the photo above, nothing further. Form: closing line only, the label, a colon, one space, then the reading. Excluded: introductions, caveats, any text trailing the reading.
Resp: 6:40
